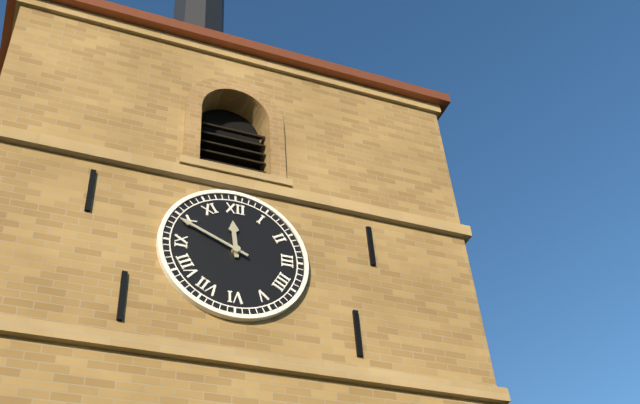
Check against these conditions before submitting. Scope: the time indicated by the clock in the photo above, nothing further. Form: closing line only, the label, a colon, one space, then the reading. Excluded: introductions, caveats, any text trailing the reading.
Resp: 11:49
